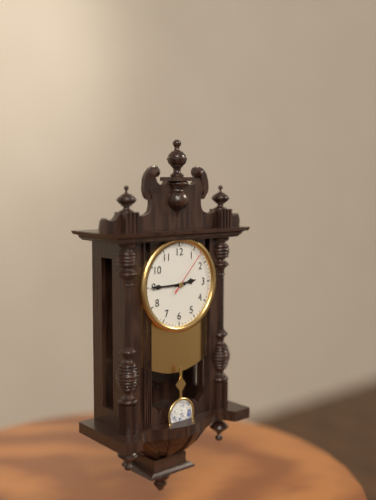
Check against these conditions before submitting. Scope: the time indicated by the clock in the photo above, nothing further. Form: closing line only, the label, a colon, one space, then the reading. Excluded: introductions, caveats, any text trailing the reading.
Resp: 2:45
